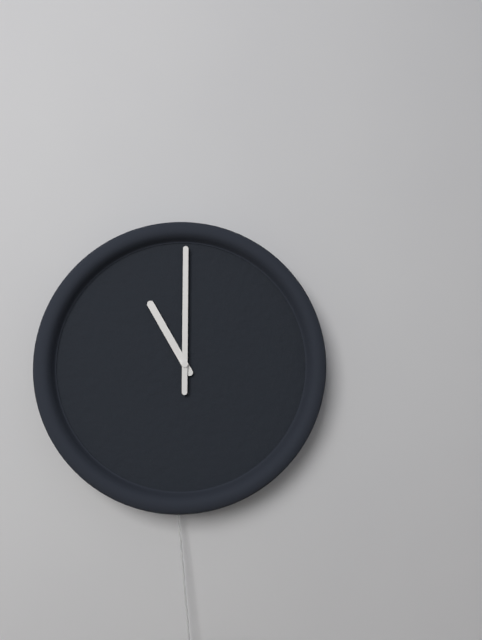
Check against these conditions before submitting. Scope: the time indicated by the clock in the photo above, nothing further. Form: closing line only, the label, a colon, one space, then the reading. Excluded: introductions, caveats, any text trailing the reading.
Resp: 11:00
